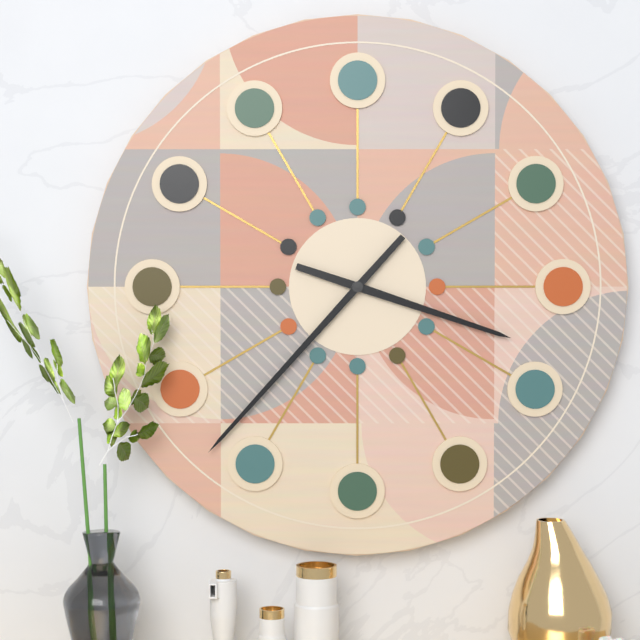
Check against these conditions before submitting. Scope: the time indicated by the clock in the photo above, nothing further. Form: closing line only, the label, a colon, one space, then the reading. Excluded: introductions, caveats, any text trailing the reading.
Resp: 3:37
